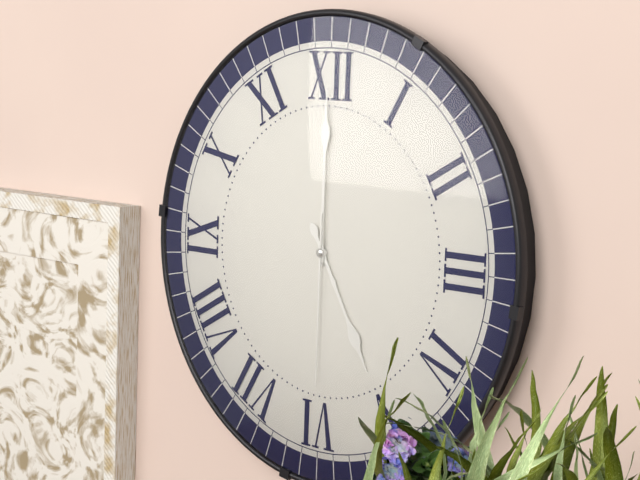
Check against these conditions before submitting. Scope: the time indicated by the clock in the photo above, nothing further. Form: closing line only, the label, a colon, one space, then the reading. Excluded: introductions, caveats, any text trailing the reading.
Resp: 5:00:30
